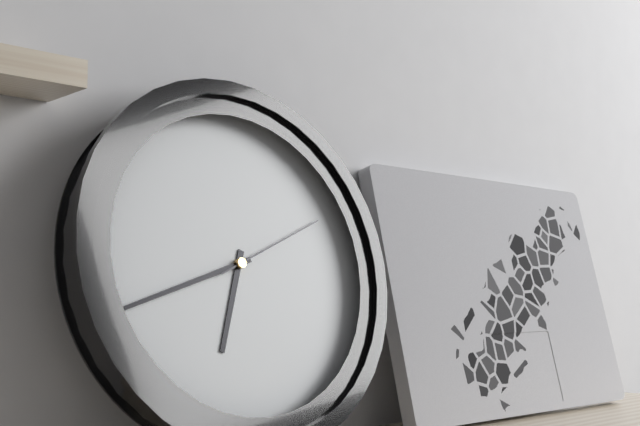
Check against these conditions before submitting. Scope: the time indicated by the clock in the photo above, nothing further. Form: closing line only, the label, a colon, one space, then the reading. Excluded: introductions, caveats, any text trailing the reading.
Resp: 6:42:11
